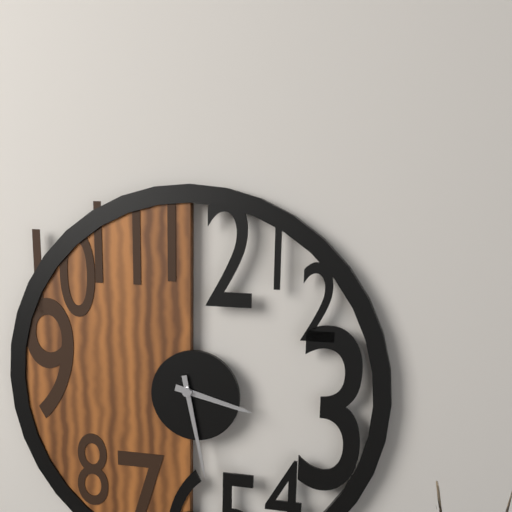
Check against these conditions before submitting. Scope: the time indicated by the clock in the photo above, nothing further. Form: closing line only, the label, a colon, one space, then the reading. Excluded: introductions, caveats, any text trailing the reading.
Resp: 3:28
